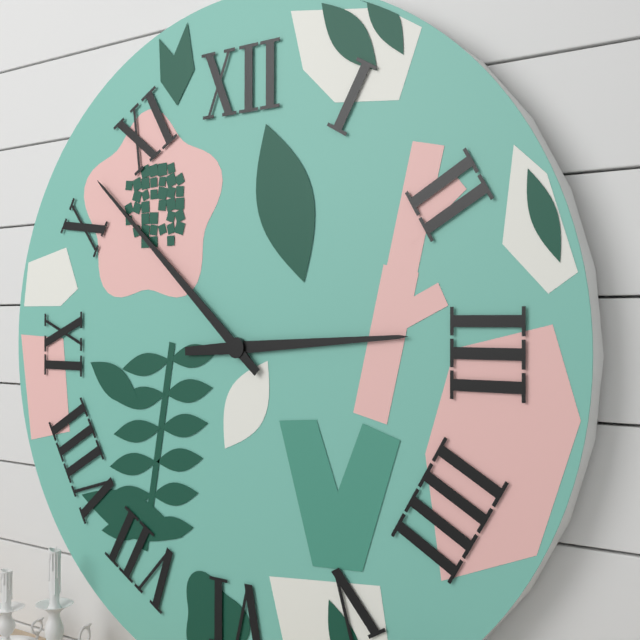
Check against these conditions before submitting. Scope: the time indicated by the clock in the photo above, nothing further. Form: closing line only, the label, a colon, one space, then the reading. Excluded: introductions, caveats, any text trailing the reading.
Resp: 2:52
